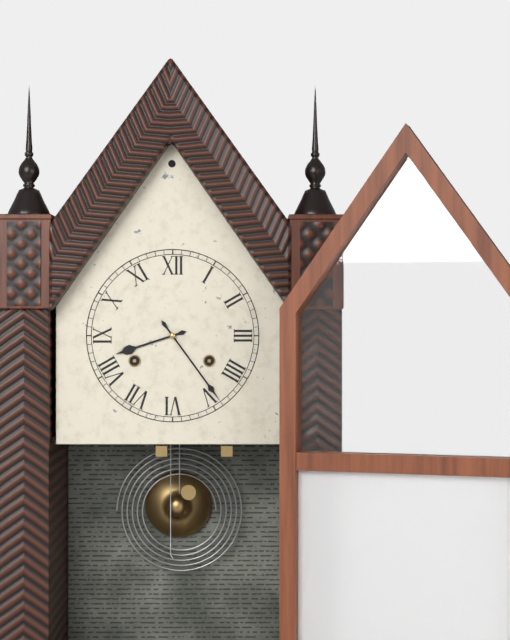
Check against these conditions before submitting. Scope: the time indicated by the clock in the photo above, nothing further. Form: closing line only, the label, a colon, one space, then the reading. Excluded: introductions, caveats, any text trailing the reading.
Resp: 8:24
